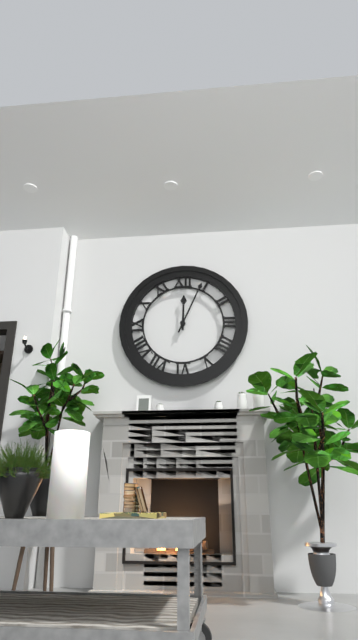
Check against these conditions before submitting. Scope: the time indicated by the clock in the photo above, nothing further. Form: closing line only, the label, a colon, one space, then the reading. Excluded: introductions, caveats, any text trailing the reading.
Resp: 12:04
